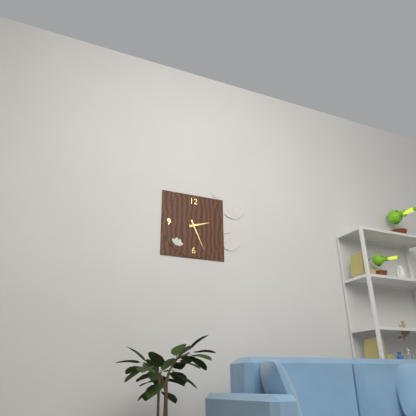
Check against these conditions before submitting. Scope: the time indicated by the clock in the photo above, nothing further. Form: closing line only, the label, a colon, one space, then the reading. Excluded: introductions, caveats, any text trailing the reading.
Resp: 2:26
